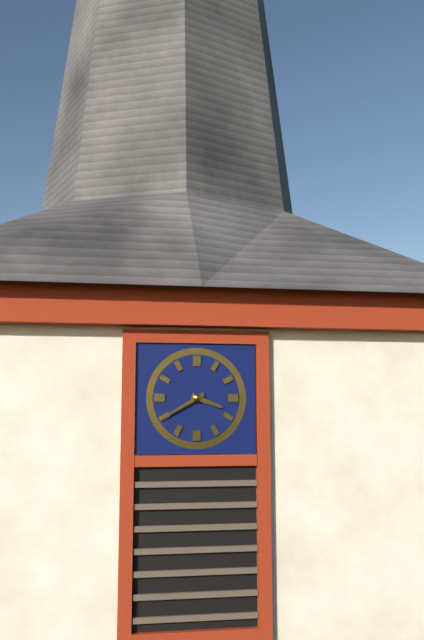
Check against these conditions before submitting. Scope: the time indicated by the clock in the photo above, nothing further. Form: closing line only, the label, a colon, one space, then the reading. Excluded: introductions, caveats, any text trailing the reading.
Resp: 3:40
